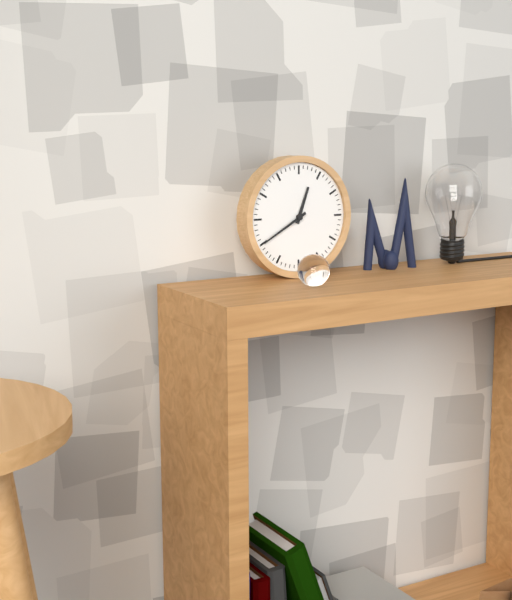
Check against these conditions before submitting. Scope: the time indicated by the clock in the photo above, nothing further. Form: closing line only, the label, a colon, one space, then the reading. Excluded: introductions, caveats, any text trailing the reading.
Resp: 12:40
